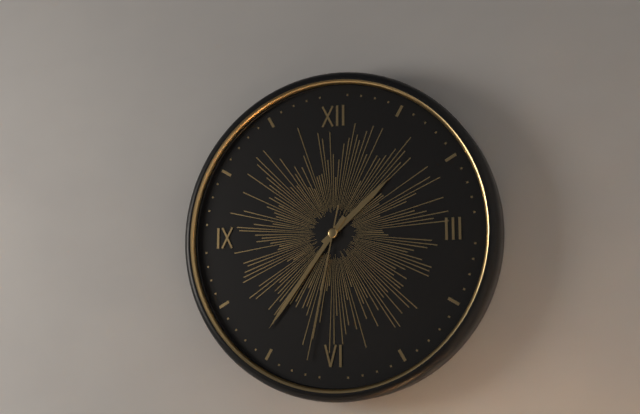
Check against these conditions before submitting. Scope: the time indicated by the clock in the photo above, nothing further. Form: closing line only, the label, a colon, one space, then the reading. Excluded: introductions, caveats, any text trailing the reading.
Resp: 1:36:32
